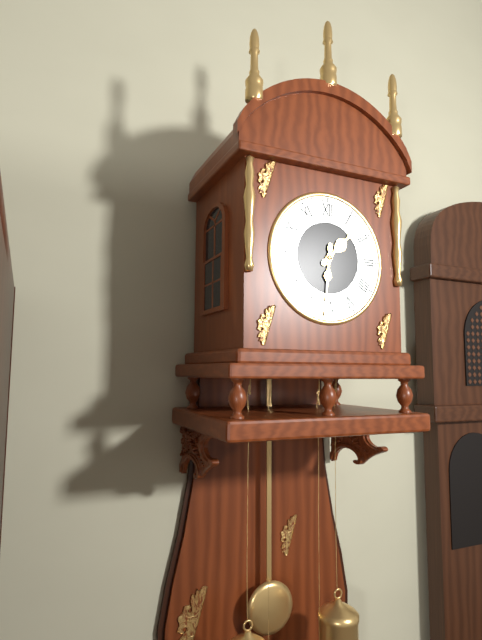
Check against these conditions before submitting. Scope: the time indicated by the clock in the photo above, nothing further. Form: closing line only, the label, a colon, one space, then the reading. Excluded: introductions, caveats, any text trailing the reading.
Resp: 1:31
